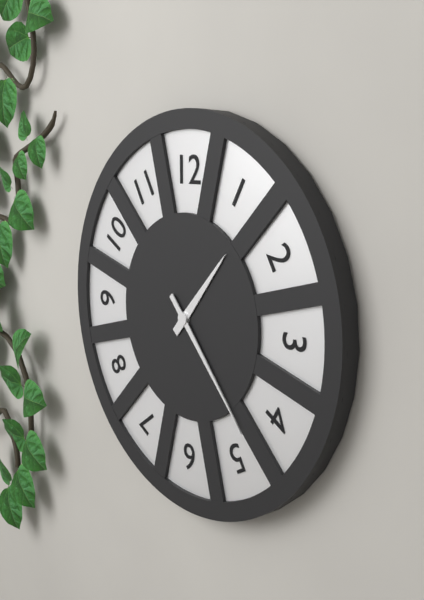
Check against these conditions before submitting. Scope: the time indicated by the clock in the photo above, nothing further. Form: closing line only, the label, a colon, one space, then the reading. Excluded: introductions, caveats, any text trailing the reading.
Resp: 1:23
